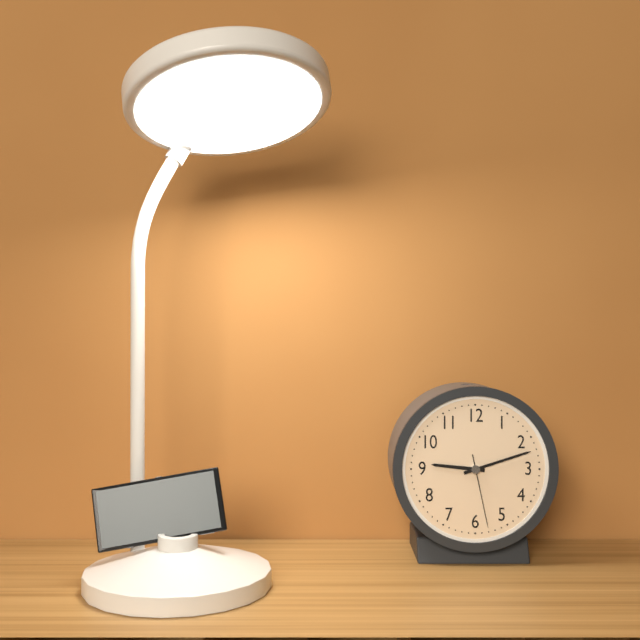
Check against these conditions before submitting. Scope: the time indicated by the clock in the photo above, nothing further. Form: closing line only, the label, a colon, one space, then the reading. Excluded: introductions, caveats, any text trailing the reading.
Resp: 9:12:28
